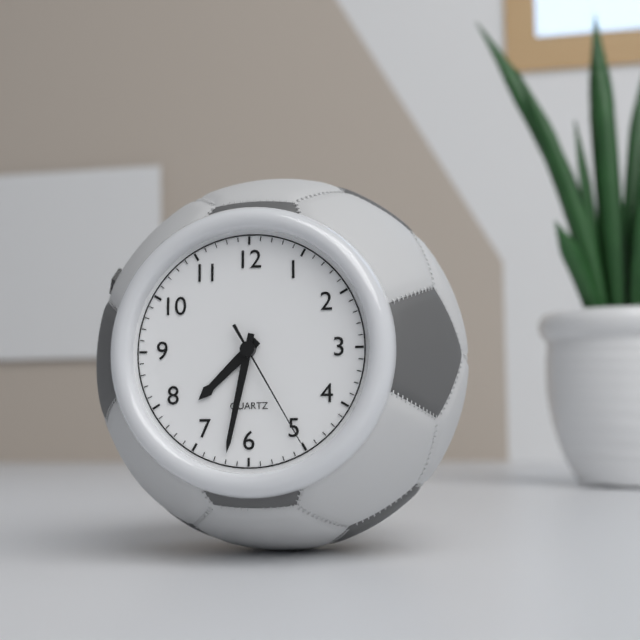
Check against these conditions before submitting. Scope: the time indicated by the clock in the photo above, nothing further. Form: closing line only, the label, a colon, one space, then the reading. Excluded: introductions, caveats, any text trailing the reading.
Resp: 7:32:25
